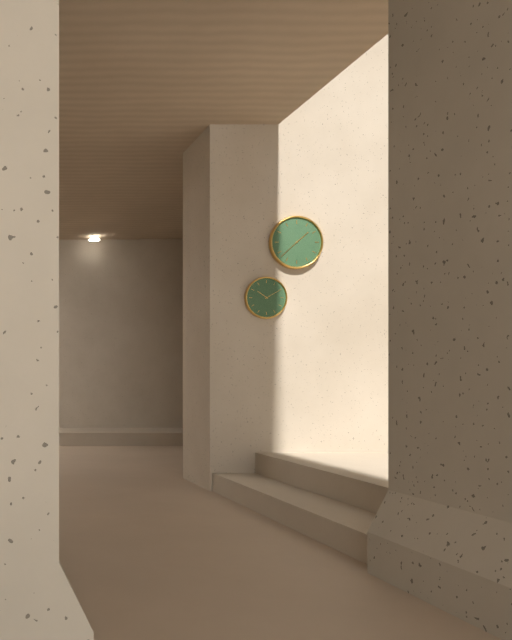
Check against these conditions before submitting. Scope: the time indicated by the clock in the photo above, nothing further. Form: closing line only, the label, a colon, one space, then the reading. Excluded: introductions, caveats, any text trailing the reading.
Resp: 1:38
